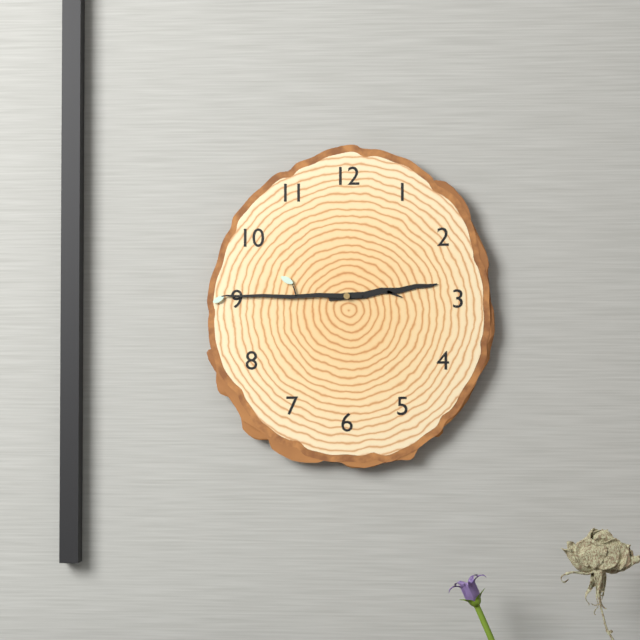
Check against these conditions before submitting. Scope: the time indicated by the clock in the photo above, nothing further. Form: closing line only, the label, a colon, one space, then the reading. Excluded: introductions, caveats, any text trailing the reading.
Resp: 2:45
